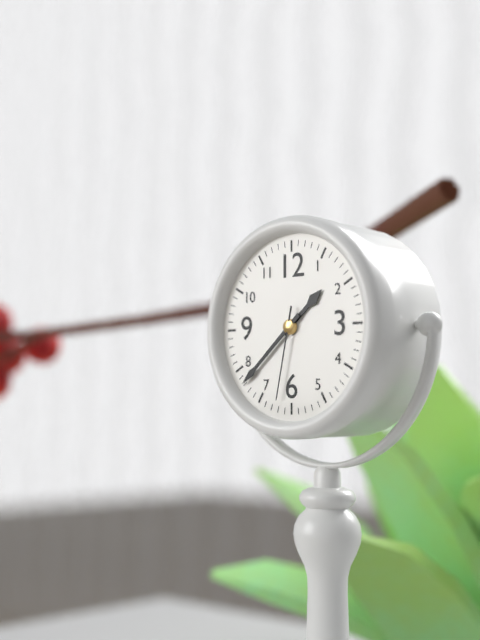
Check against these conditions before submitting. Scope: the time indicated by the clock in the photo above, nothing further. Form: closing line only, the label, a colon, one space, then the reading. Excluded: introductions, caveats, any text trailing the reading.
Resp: 1:38:32
